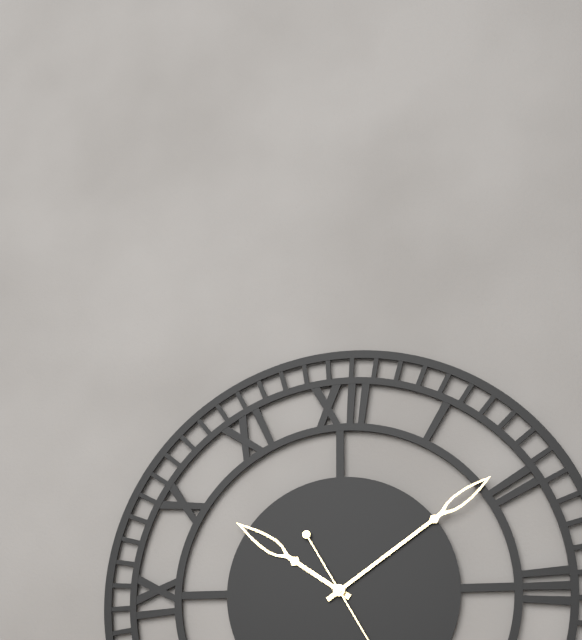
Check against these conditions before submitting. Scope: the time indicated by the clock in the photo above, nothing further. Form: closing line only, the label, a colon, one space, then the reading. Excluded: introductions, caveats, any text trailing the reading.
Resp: 10:09
